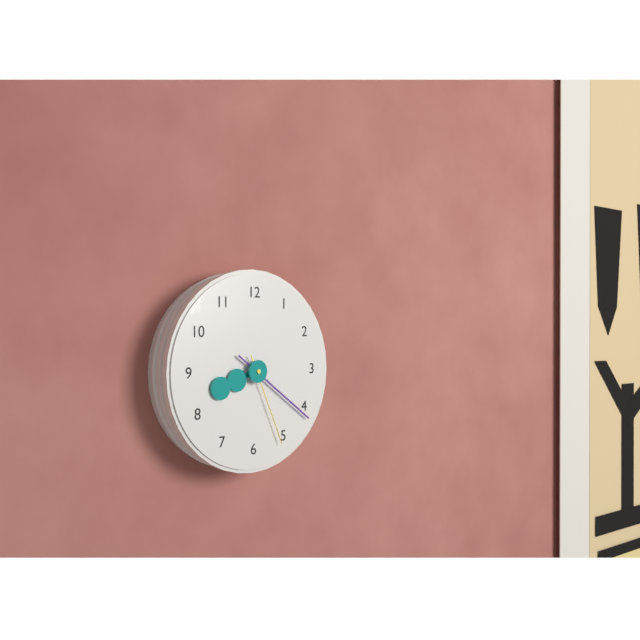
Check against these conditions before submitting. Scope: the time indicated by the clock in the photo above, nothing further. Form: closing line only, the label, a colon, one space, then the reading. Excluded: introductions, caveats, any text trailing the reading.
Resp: 8:21:26
